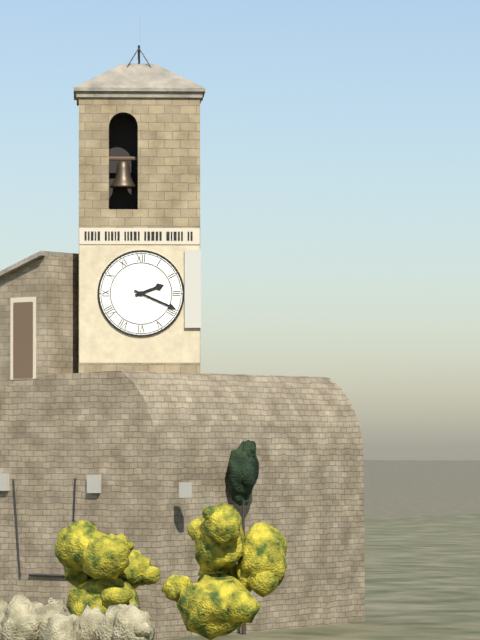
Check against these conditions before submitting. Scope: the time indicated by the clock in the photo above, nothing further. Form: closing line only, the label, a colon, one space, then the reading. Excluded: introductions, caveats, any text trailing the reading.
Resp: 2:19
